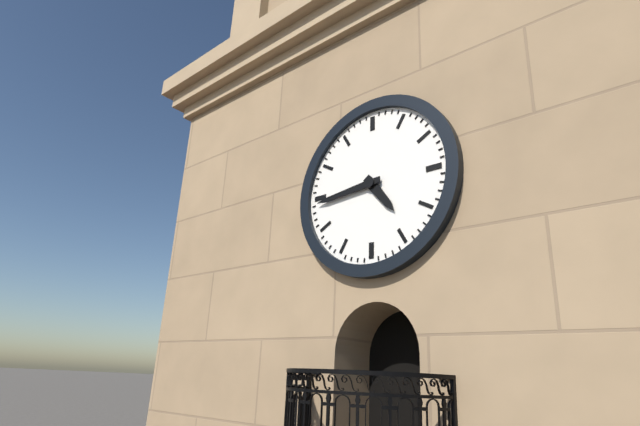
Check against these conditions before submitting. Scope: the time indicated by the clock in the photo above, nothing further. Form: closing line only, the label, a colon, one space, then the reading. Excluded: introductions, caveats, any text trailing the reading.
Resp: 4:44
